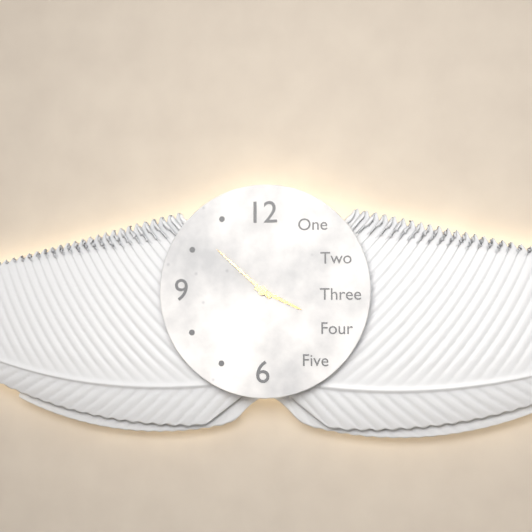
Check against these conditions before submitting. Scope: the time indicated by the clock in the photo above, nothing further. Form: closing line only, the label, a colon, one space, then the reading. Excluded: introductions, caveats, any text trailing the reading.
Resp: 3:52
